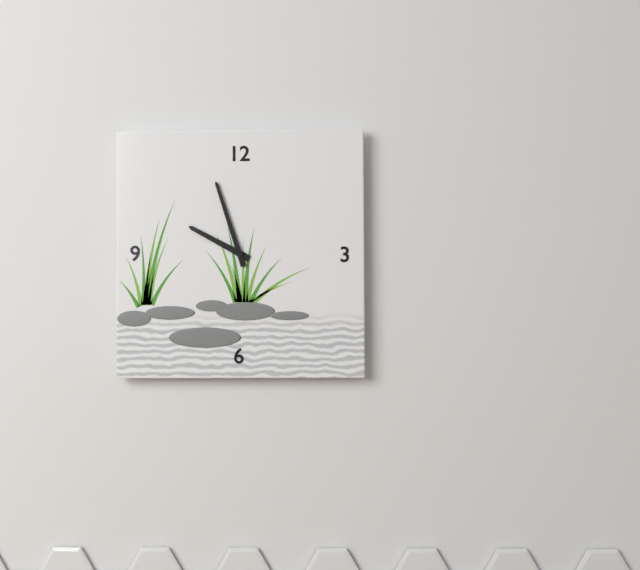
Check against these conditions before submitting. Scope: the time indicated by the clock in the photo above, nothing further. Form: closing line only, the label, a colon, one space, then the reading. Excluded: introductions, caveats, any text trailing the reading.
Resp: 9:57
